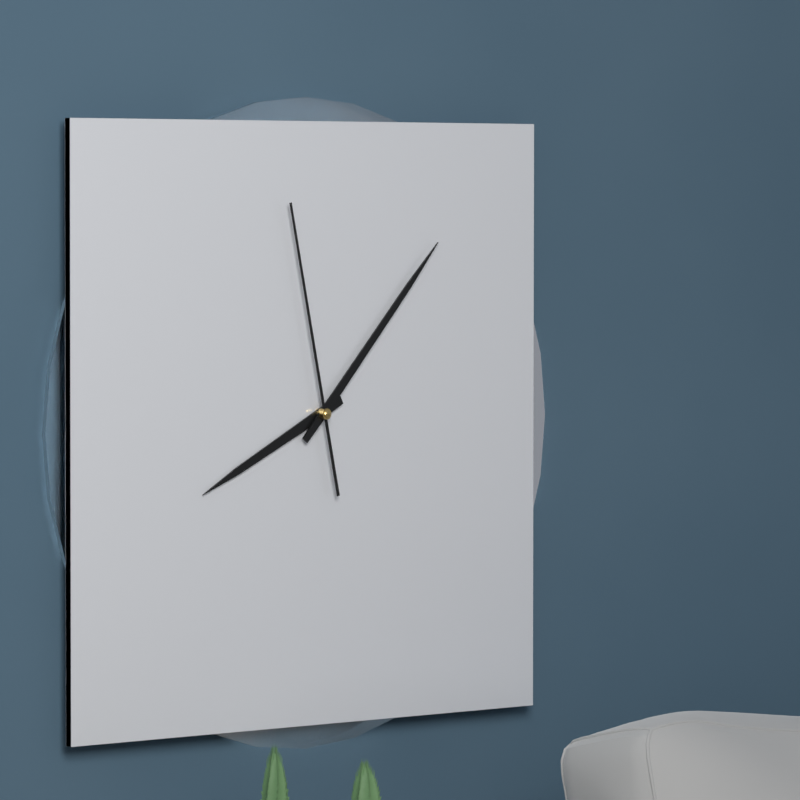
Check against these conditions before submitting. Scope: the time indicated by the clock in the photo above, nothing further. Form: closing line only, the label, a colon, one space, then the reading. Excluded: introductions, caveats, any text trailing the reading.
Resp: 8:07:58
